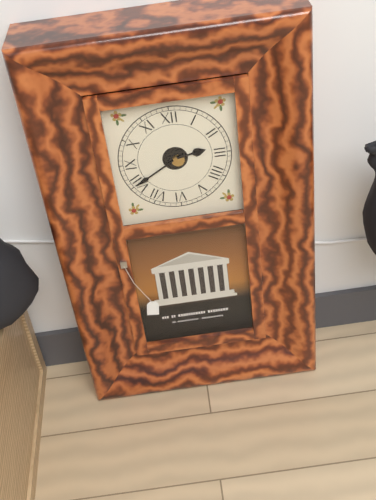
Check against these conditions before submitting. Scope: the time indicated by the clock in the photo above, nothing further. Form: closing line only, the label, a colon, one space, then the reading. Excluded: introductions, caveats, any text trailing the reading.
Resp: 2:40
